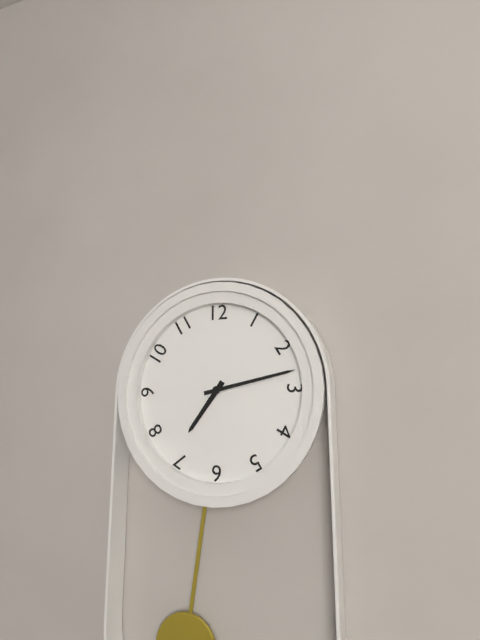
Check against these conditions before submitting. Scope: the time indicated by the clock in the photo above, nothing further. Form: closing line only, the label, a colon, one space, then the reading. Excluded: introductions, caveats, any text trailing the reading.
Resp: 7:13
